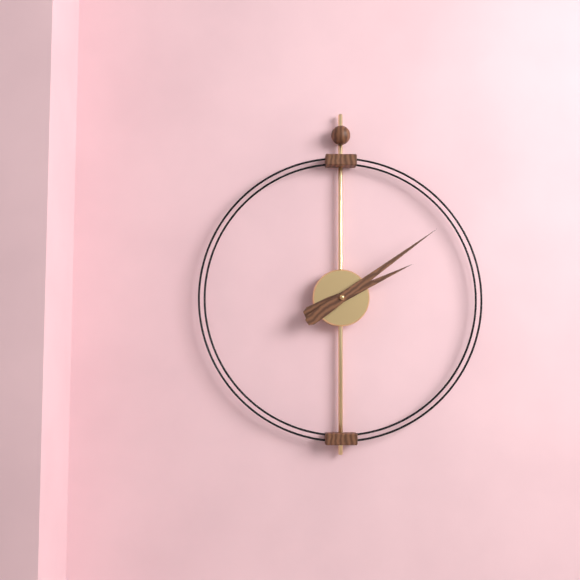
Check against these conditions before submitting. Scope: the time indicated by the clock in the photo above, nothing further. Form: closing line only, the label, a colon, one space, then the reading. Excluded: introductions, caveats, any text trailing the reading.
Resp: 2:09
